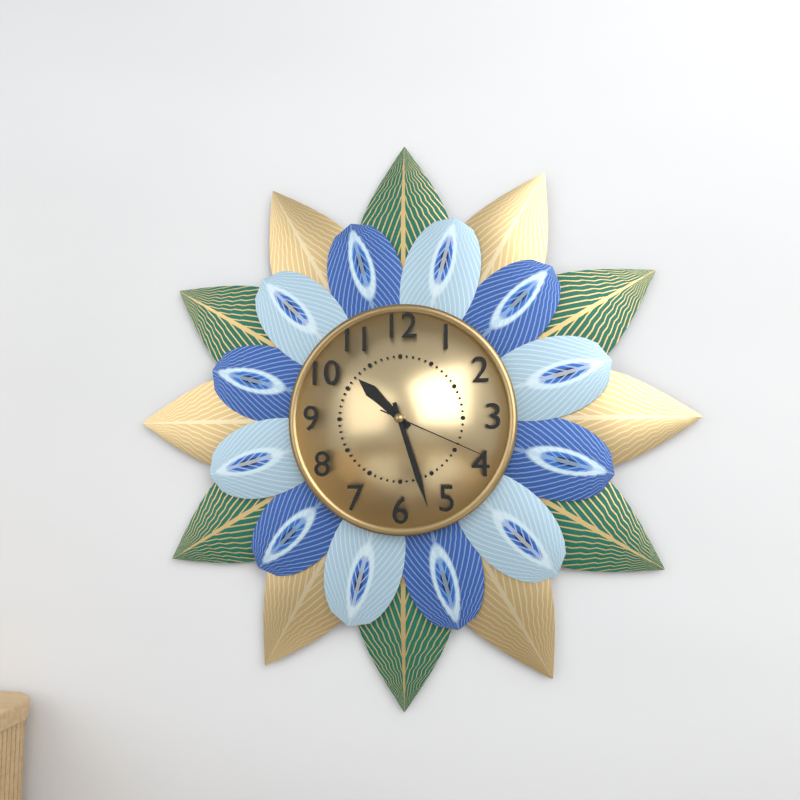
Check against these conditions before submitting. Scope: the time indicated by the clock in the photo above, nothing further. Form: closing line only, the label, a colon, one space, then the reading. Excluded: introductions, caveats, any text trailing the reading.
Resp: 10:27:19
